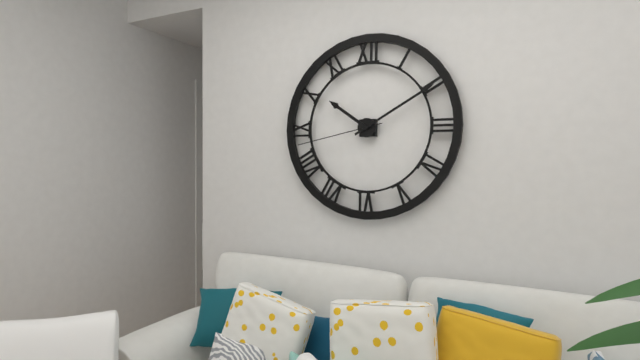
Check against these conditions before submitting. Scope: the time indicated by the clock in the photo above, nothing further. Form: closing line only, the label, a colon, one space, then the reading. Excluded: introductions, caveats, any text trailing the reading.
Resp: 10:10:43
